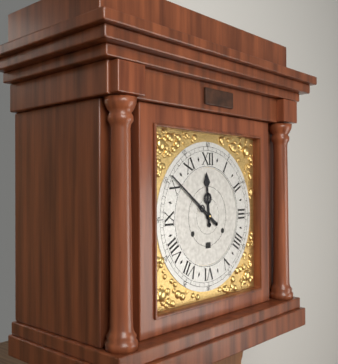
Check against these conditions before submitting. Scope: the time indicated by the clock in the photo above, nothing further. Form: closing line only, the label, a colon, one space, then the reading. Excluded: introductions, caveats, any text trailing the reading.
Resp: 11:51
